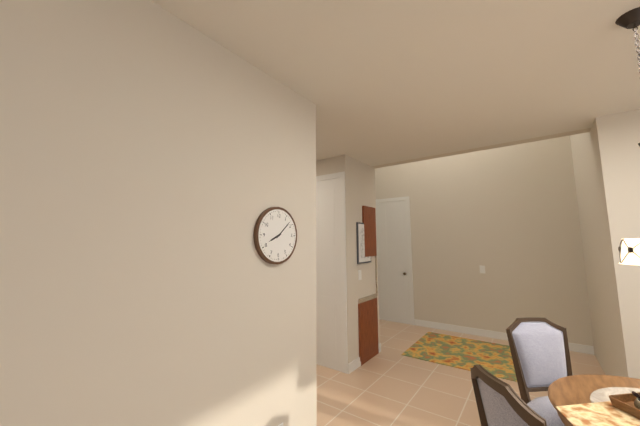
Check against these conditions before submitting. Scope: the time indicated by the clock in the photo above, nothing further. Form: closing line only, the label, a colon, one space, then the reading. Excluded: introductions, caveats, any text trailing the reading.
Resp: 8:08
